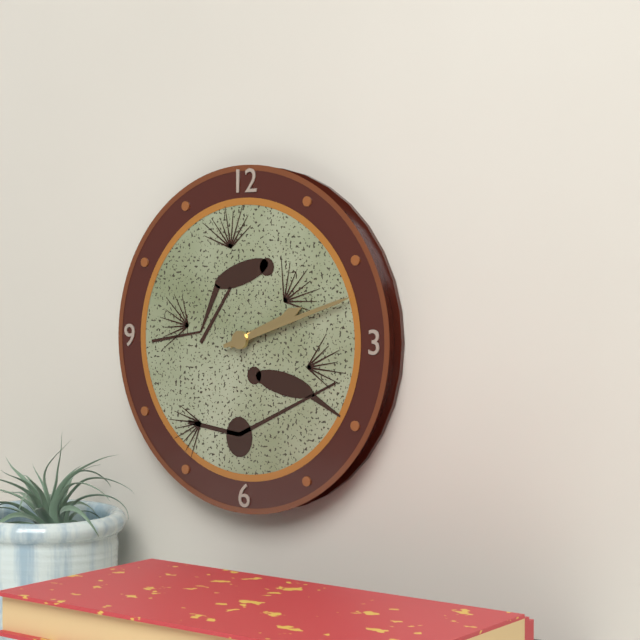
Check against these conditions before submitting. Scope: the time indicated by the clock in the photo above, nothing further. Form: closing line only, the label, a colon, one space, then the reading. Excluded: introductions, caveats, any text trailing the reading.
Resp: 2:12
